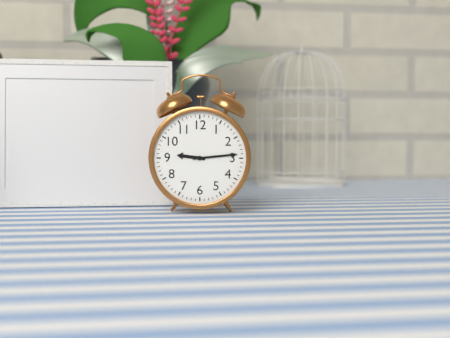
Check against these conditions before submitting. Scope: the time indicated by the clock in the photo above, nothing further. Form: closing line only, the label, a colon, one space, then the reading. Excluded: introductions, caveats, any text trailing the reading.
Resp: 9:14
